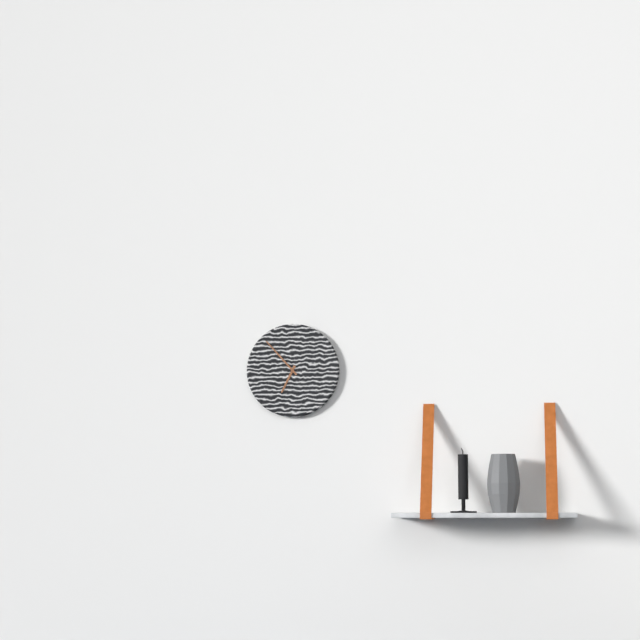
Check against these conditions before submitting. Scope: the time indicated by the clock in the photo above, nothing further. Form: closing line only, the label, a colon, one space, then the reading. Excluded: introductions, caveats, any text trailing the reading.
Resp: 6:53
